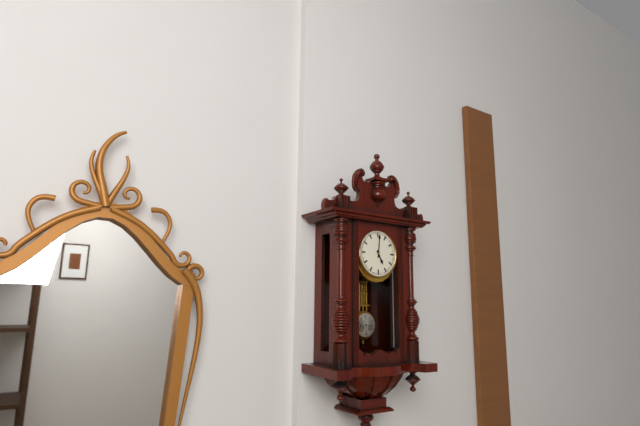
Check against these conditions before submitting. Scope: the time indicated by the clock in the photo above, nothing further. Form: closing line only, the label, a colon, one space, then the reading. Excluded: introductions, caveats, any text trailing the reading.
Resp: 5:01
